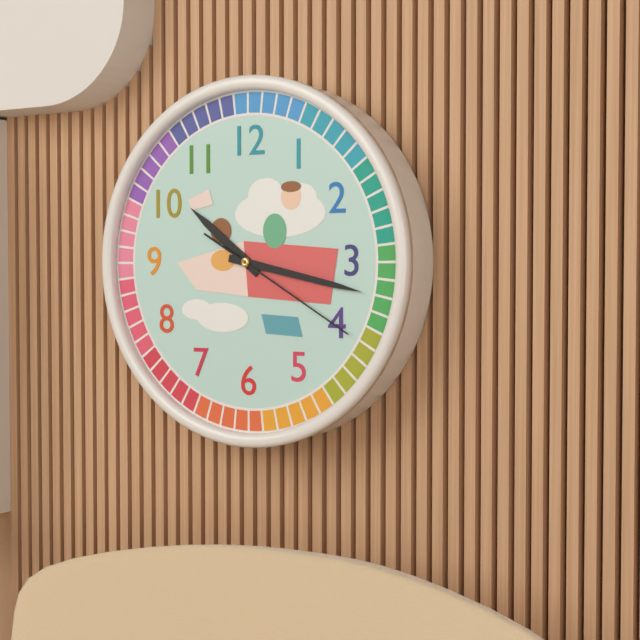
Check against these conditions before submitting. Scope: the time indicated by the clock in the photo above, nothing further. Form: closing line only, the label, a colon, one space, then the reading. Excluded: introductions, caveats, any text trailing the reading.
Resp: 10:17:20
